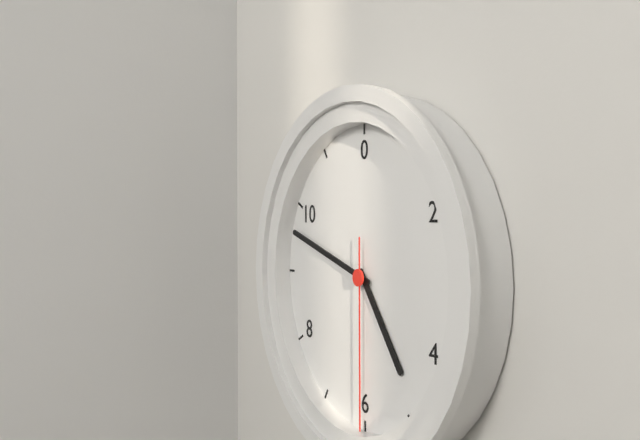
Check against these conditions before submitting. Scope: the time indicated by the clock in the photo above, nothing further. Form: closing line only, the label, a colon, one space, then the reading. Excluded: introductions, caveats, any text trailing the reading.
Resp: 4:48:30
